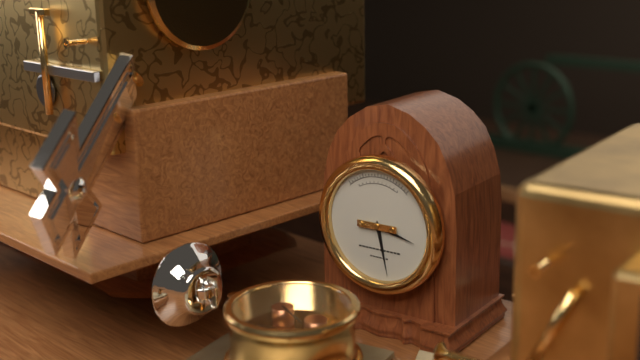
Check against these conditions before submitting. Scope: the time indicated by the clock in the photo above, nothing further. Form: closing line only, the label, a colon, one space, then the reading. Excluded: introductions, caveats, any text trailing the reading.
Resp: 3:28
